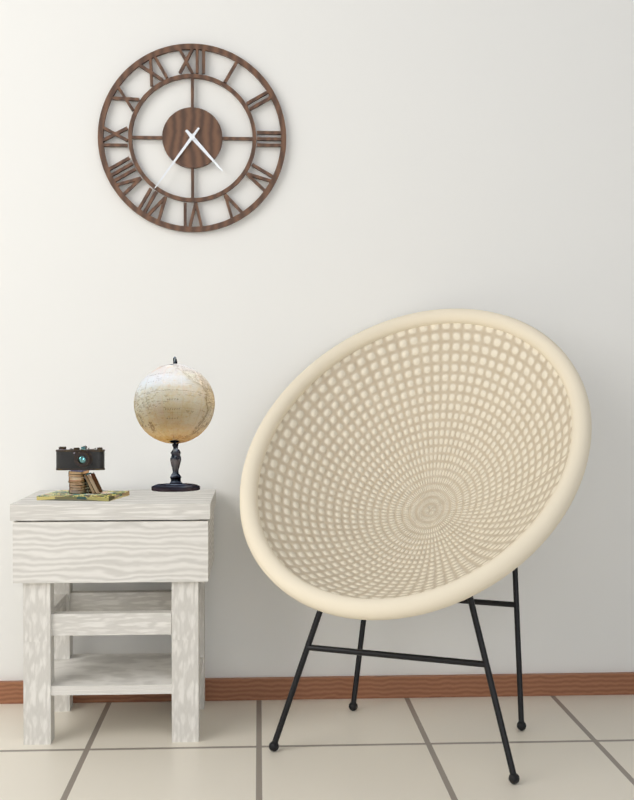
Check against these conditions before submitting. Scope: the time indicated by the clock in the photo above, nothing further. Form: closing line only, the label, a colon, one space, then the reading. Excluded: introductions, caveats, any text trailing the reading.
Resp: 4:36
